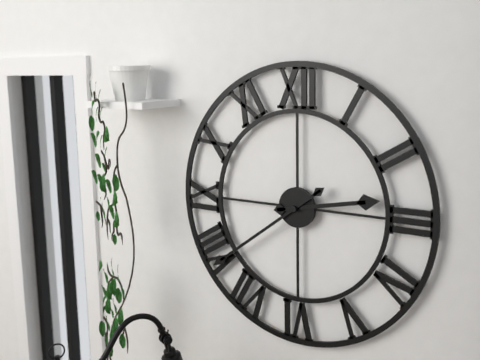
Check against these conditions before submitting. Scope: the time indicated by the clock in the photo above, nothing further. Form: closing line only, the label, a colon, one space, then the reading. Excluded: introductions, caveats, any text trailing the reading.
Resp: 2:39
